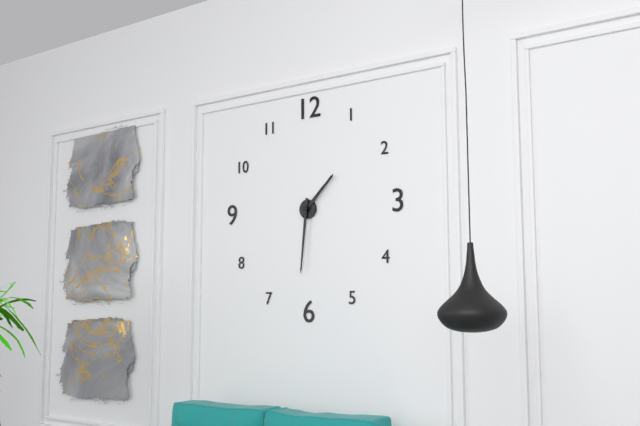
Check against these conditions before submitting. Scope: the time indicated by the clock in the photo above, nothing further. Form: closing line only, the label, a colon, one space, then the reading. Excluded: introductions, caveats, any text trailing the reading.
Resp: 1:31
